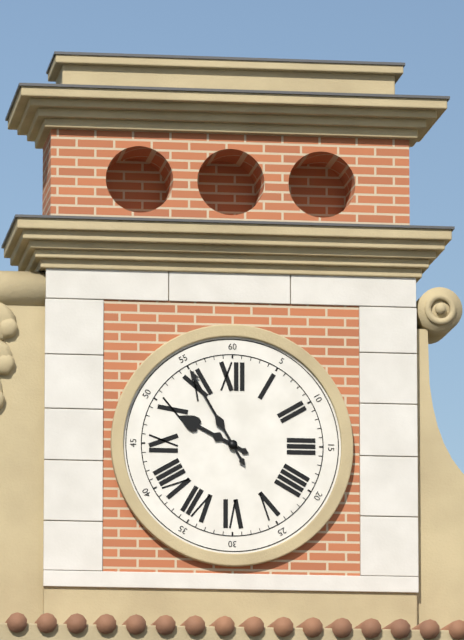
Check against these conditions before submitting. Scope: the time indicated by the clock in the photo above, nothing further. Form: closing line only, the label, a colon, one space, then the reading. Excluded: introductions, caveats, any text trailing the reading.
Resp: 9:55
